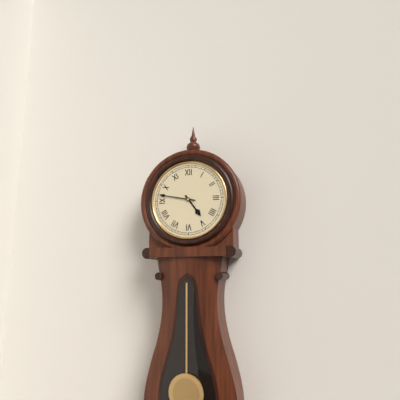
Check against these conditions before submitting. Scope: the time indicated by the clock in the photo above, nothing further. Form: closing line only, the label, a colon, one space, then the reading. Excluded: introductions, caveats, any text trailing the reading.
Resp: 4:47
